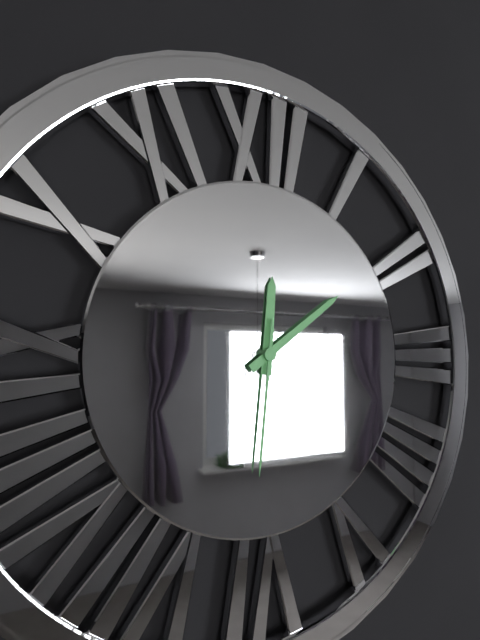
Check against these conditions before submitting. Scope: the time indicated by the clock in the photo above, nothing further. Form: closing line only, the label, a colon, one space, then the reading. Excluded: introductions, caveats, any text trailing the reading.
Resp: 12:09:31
